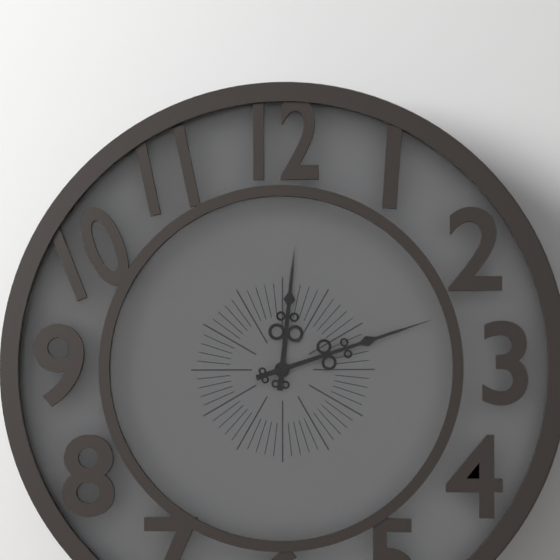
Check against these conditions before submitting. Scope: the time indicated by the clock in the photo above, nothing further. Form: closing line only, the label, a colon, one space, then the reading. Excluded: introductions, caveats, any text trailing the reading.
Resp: 12:12
